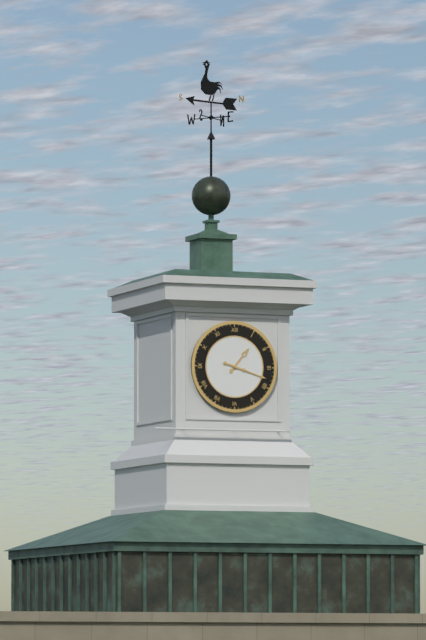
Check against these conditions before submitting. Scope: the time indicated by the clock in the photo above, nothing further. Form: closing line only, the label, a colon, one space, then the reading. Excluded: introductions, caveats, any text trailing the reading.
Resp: 1:18
